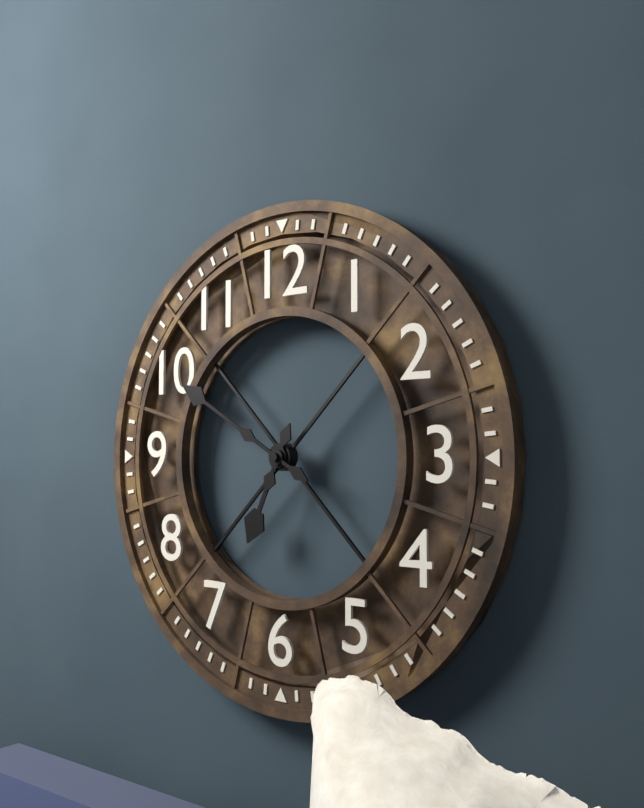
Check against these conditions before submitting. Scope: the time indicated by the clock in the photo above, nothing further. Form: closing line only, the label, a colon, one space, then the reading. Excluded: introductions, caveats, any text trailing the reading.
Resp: 6:50
